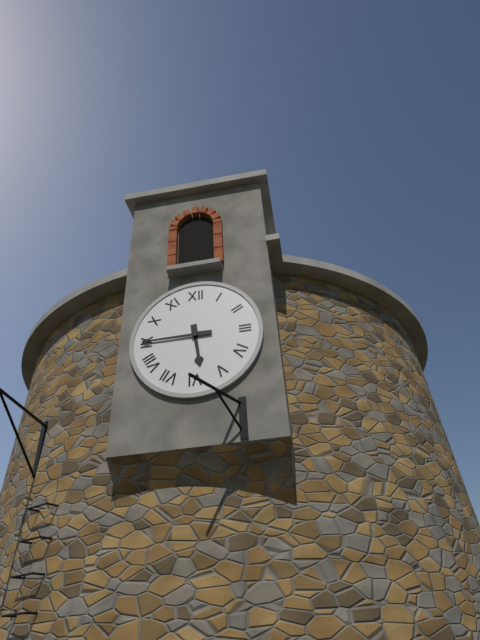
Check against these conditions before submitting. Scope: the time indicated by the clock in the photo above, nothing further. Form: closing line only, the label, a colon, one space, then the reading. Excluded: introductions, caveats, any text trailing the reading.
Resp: 5:45
